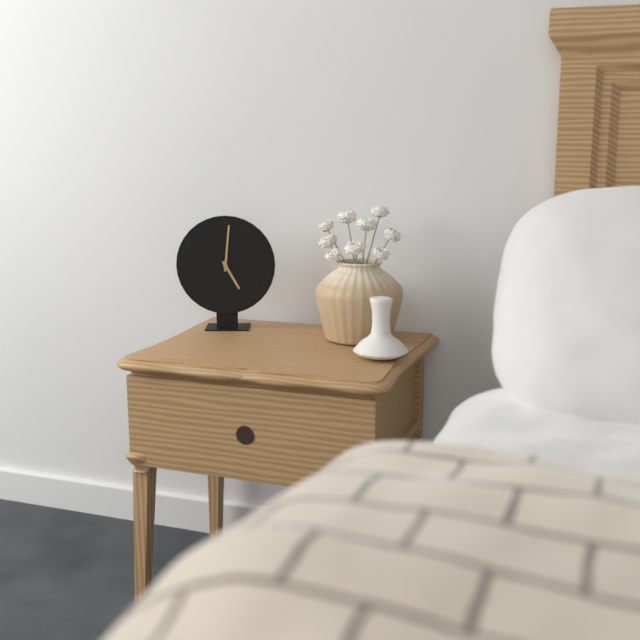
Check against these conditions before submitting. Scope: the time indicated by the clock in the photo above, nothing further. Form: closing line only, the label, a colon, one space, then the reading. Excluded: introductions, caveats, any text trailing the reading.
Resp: 5:01
